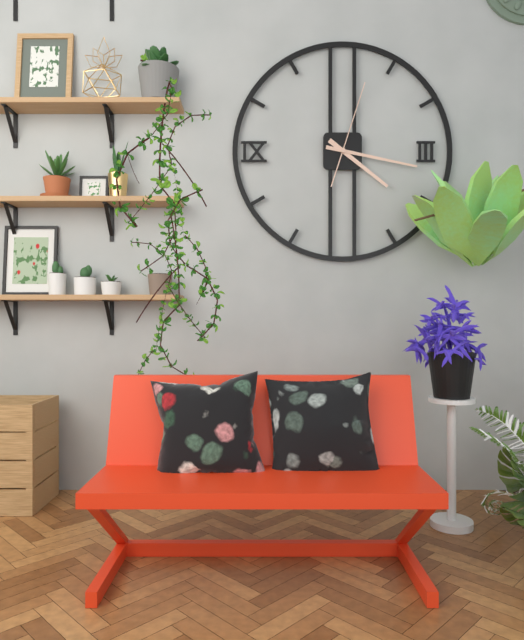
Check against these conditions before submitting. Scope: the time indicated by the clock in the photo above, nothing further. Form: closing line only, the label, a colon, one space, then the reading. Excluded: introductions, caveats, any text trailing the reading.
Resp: 4:17:03
